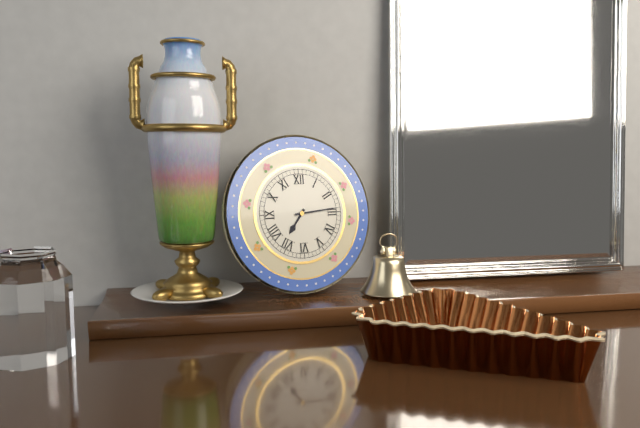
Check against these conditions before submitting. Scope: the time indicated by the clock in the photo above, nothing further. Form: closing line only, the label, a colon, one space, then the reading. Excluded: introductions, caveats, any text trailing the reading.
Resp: 7:14
